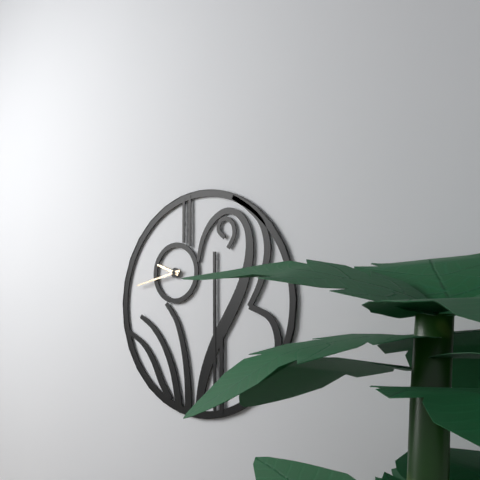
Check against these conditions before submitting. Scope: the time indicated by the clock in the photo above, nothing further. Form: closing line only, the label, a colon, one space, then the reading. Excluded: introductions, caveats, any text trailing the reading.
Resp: 9:43
